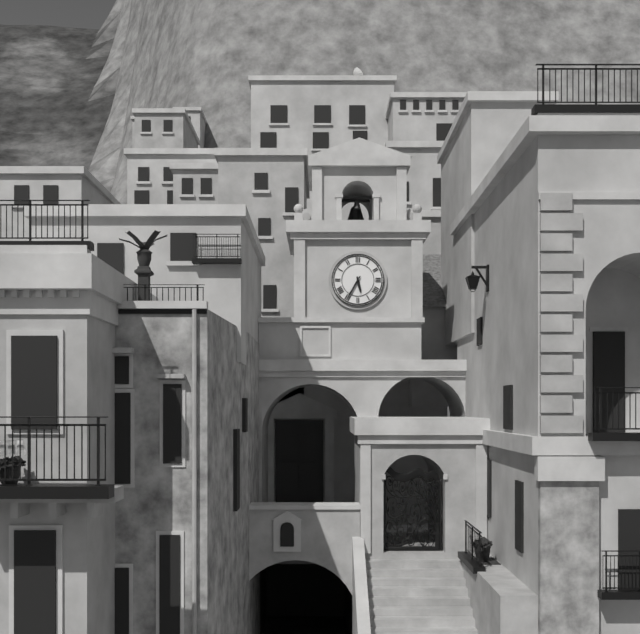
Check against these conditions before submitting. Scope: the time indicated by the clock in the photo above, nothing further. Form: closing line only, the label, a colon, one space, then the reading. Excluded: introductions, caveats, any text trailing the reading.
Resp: 5:35
